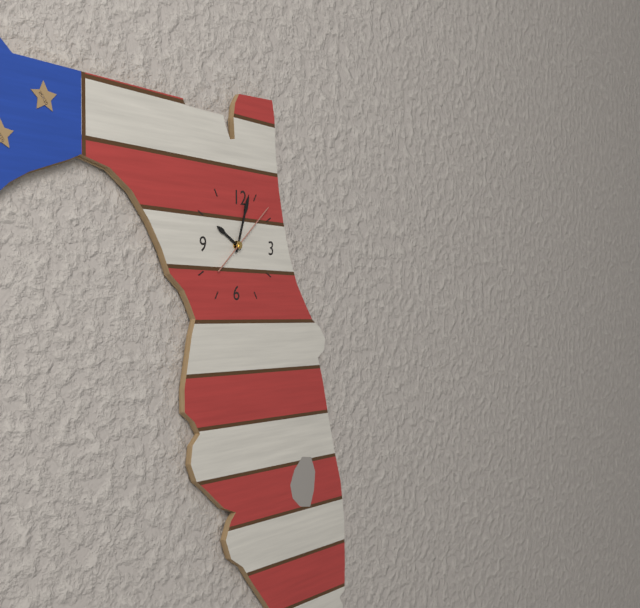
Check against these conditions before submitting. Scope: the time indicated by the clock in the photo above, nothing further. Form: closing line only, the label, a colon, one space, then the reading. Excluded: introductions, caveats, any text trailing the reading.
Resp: 10:03:08
